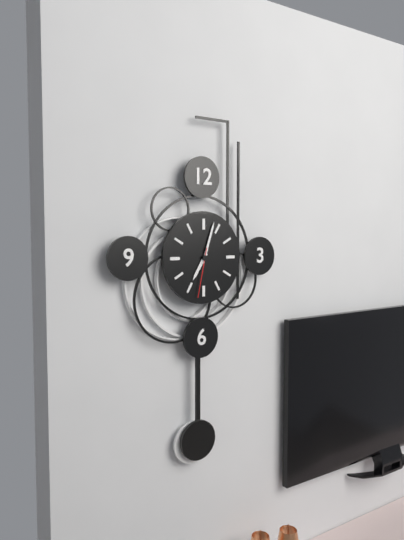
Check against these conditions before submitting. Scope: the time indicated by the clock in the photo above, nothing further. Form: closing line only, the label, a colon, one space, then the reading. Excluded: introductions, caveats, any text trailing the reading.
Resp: 7:03:32
